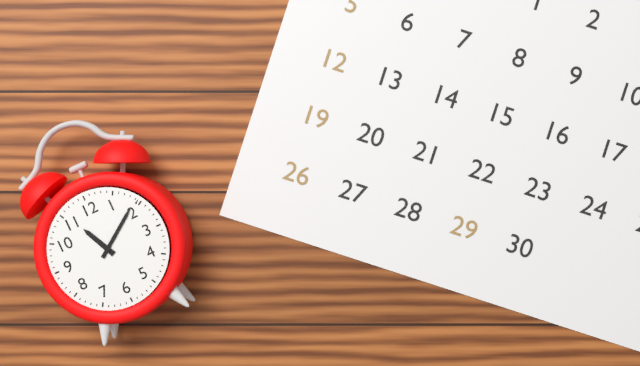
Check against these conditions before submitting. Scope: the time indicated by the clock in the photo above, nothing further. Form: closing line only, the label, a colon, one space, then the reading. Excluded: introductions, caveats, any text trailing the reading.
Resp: 11:09
